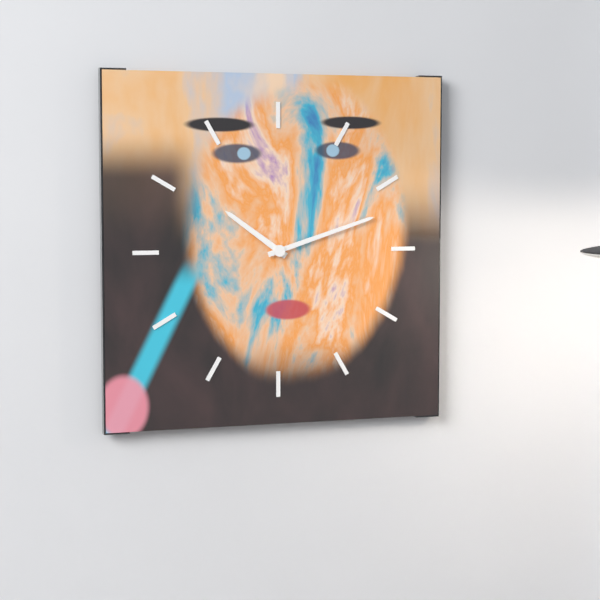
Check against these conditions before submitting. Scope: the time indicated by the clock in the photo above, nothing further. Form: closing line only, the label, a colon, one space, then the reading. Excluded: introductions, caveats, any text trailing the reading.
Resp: 10:12
